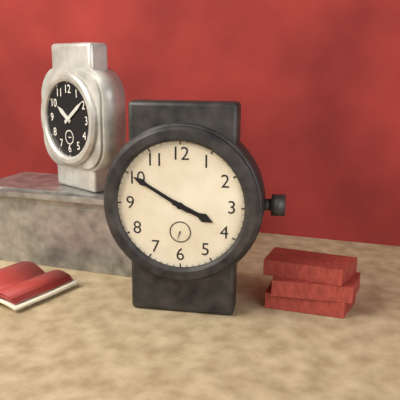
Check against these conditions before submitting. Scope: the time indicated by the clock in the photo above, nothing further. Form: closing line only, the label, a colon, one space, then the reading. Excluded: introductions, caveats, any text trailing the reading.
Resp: 3:50
